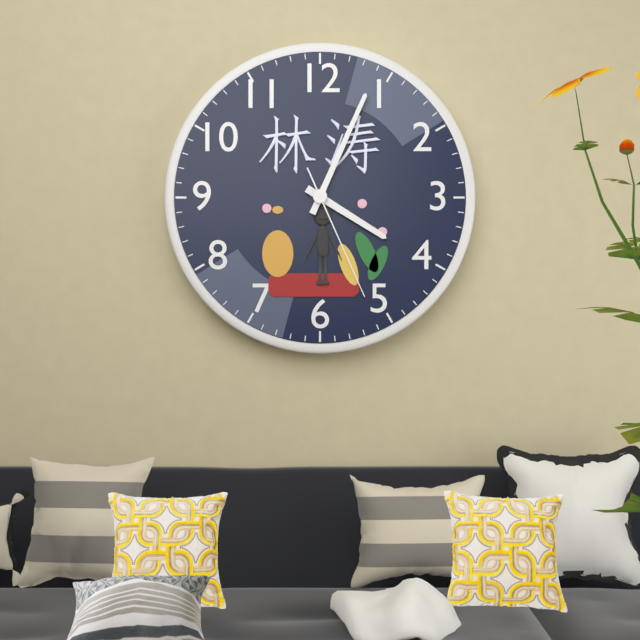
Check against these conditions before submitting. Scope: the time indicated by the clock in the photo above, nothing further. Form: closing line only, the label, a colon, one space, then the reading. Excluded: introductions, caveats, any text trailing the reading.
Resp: 4:04:26
